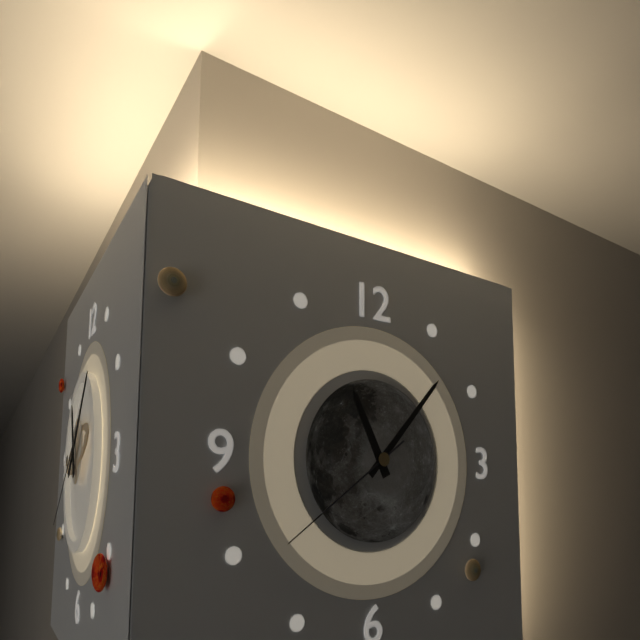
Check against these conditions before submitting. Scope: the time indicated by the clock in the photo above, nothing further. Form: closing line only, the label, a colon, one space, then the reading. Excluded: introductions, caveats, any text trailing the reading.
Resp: 11:07:39
